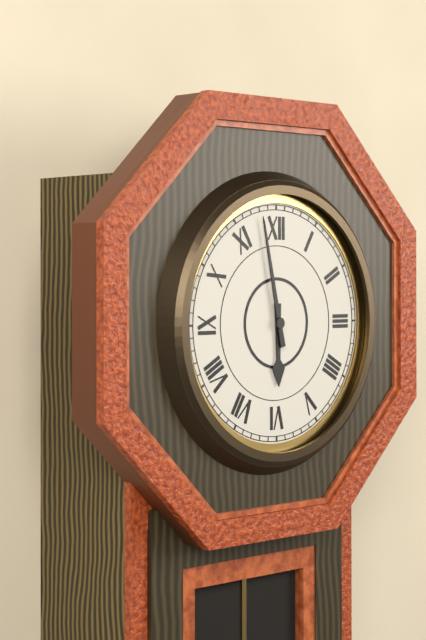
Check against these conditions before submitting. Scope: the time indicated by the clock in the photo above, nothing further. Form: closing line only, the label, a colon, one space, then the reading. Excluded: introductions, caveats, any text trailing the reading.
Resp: 5:58
